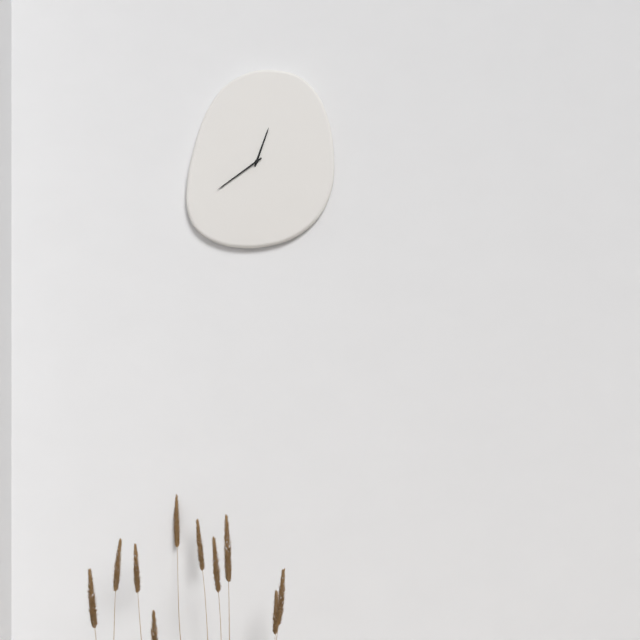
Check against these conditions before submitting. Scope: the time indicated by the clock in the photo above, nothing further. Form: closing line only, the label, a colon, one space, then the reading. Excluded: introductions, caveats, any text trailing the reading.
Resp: 12:39
